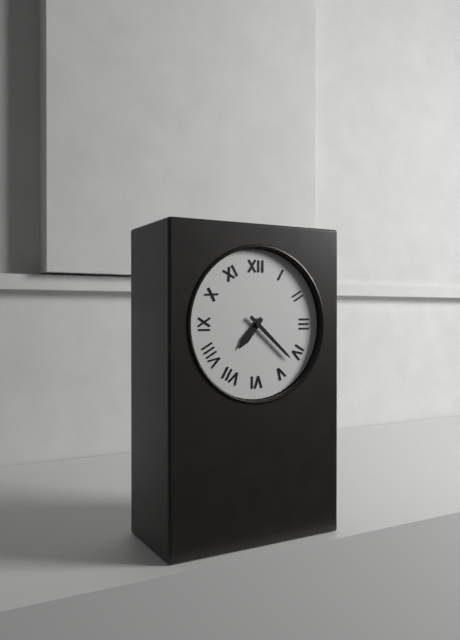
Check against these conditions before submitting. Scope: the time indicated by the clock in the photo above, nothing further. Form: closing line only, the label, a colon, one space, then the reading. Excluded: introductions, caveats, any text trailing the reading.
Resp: 7:22
